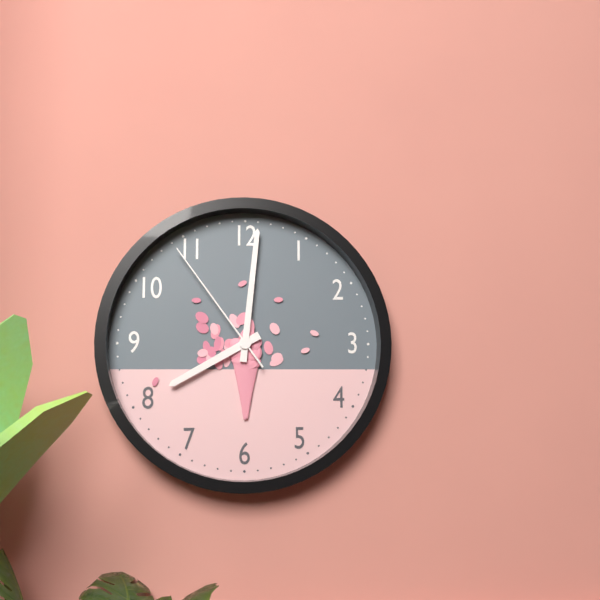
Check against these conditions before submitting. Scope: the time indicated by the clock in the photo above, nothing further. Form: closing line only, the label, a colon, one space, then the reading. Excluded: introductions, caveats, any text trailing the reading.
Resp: 8:01:54
